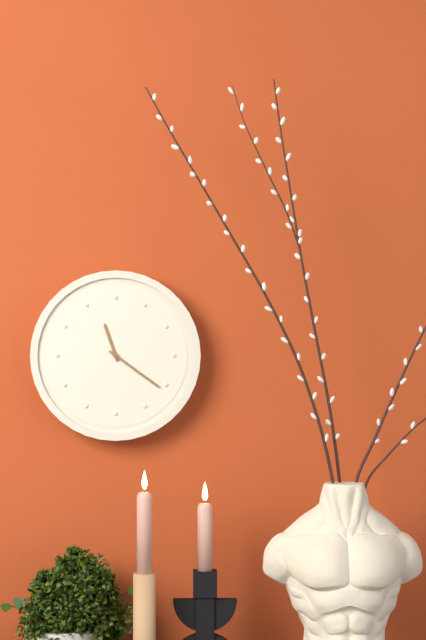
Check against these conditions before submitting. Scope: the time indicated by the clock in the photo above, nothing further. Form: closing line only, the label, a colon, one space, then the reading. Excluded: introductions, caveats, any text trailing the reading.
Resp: 11:21
